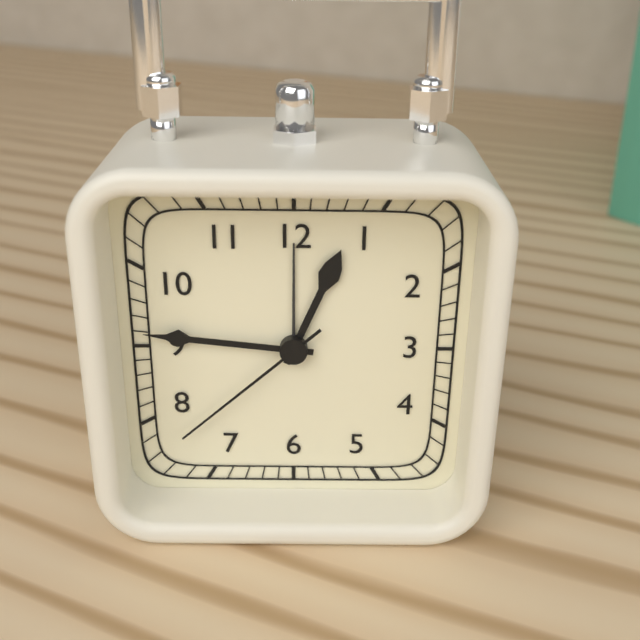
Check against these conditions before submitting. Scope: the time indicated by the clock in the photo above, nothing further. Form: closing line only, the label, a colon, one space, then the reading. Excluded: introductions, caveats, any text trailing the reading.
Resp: 12:46:38
